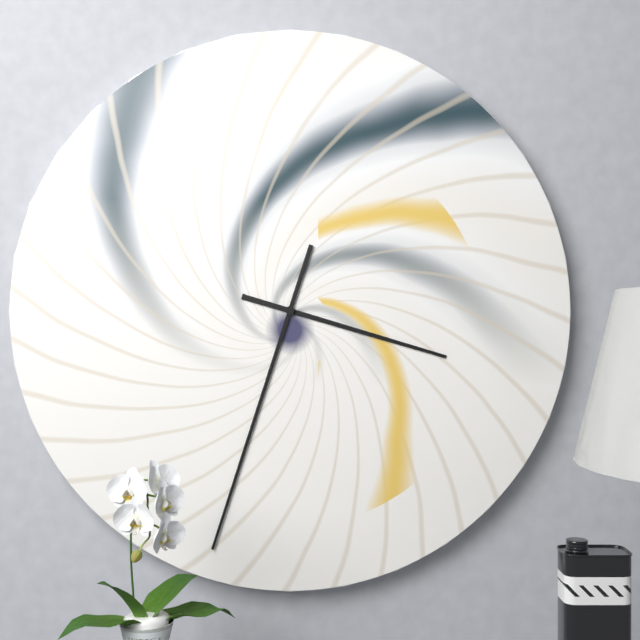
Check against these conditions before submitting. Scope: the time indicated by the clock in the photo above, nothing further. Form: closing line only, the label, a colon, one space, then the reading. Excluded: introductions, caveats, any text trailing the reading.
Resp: 3:33
